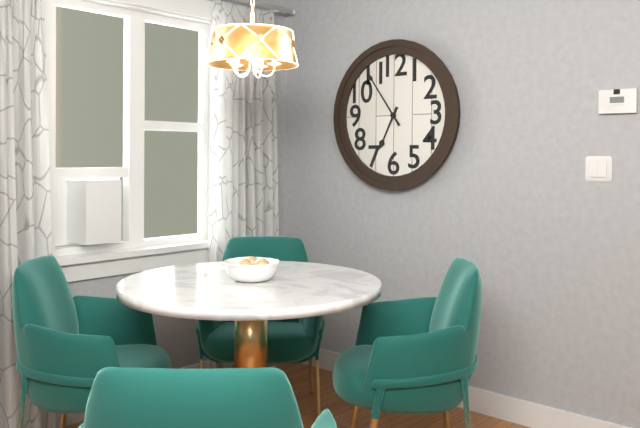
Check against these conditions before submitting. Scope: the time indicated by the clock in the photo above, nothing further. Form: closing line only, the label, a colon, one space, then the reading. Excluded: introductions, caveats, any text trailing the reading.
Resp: 6:54
